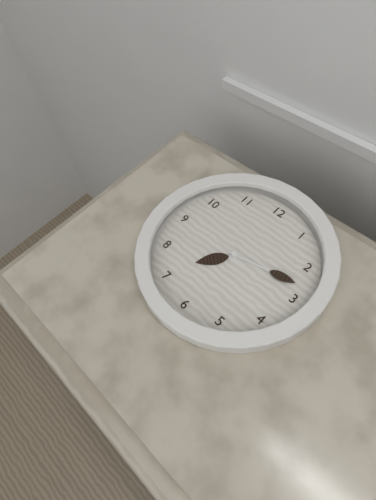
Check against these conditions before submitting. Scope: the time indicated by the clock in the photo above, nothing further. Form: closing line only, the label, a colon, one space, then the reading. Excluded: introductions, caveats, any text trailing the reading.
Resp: 7:13
